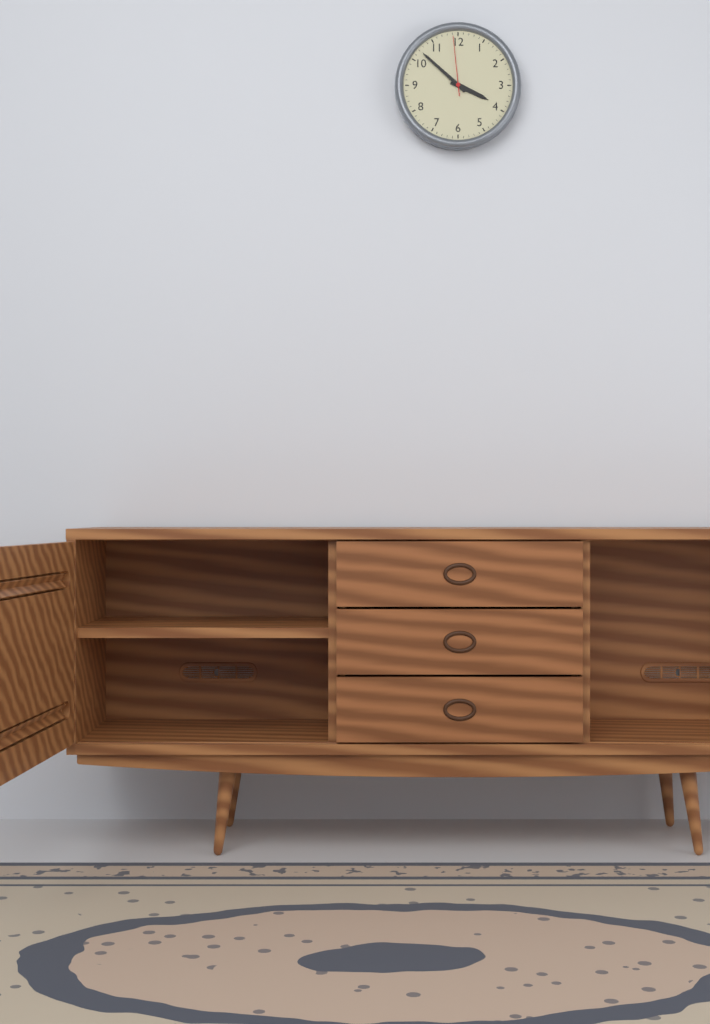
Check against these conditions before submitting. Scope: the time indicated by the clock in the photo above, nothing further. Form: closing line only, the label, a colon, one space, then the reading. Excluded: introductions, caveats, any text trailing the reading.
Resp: 3:52:59
